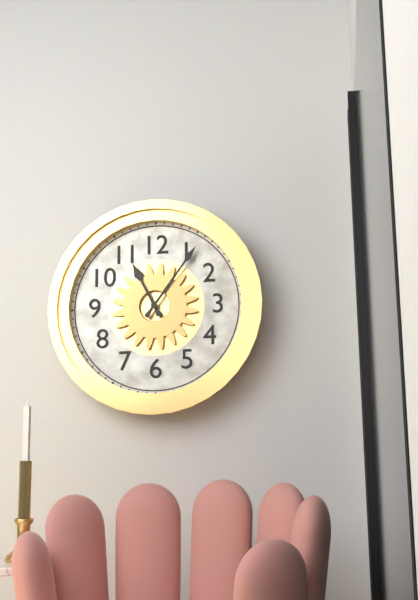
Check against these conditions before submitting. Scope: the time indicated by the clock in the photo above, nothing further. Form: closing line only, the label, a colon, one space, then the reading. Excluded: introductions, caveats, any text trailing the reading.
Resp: 11:06
